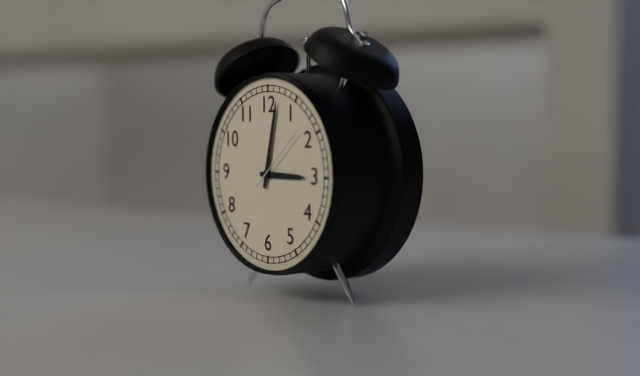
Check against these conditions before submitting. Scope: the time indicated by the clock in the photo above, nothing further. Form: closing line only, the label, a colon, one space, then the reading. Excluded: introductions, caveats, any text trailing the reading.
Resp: 3:02:08
